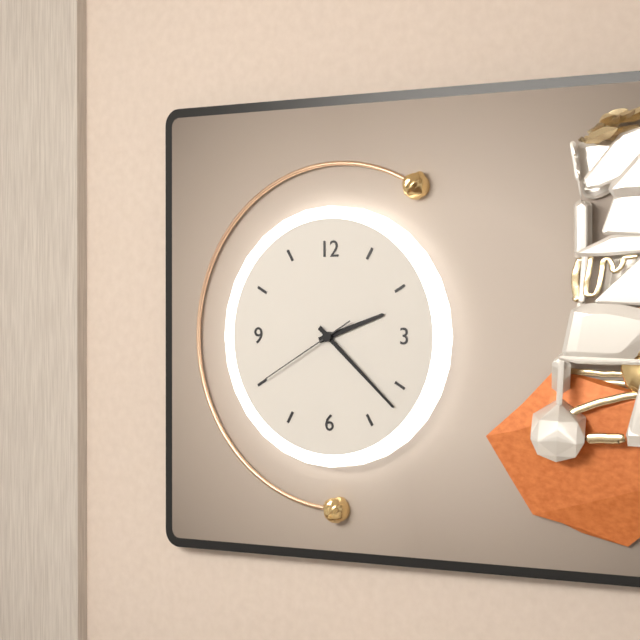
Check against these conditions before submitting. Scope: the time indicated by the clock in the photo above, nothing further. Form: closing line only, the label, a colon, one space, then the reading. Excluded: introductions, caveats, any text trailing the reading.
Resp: 2:22:40
